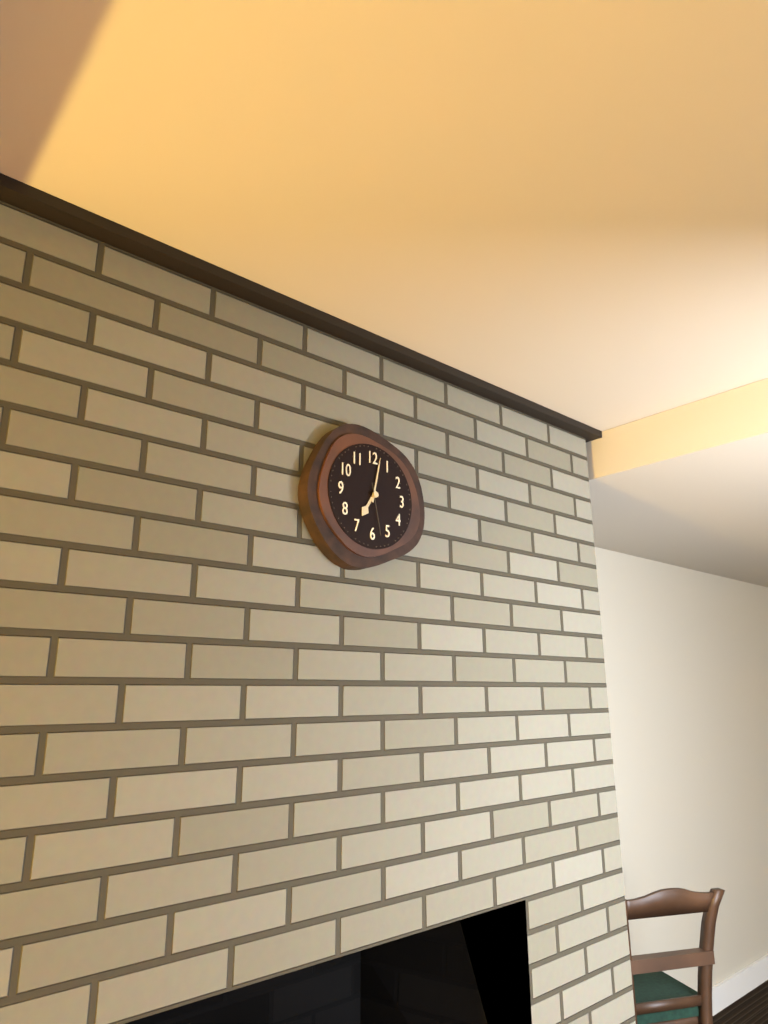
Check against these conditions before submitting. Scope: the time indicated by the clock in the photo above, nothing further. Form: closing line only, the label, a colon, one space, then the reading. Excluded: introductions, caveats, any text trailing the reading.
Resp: 7:02:28
